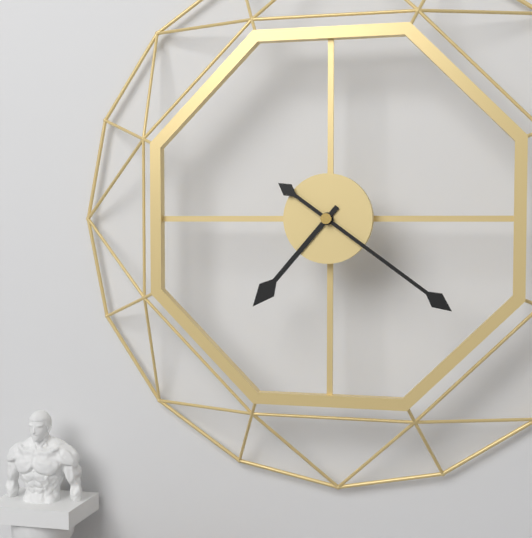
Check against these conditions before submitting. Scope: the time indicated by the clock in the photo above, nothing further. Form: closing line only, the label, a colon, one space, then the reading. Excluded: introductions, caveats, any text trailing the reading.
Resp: 7:21
